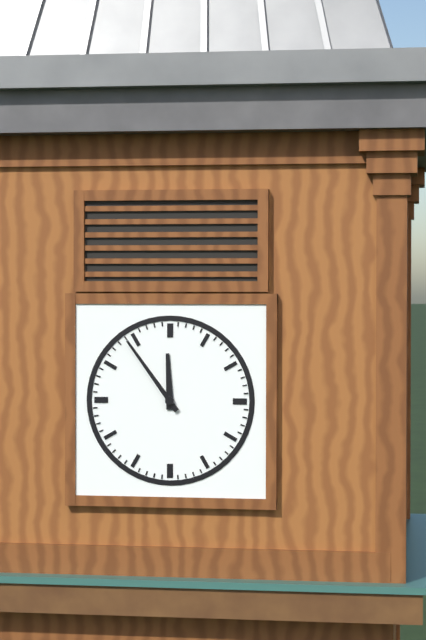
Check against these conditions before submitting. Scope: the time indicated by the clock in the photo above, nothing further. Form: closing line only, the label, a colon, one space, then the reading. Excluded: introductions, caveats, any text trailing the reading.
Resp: 11:54
